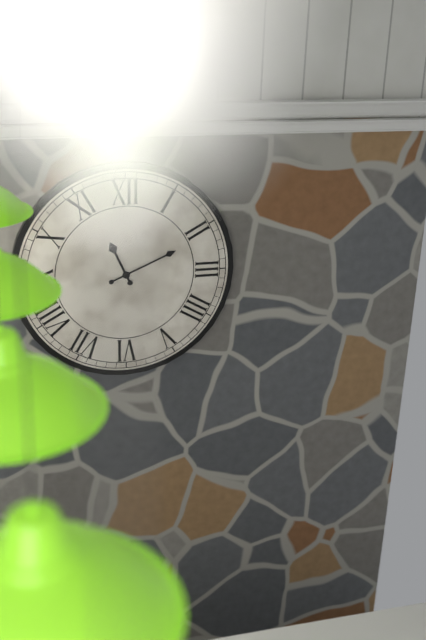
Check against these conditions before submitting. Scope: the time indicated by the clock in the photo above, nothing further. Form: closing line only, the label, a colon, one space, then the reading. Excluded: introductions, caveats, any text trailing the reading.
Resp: 11:11
